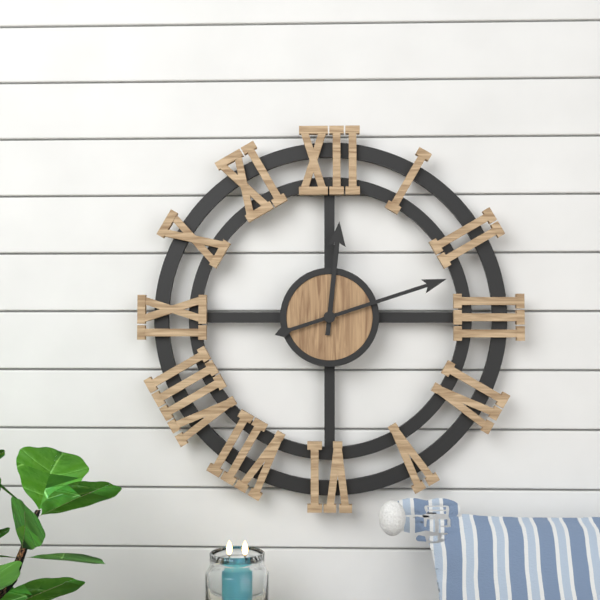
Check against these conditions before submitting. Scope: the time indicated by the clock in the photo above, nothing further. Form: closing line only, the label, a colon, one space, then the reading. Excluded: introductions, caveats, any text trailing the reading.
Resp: 12:12
